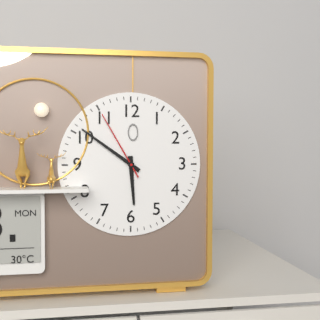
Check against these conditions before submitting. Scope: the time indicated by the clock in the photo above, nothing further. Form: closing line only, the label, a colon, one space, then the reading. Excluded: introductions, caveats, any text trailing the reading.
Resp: 5:51:55
